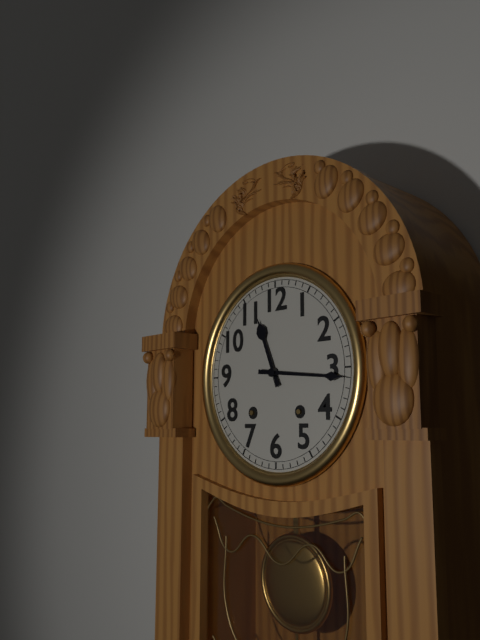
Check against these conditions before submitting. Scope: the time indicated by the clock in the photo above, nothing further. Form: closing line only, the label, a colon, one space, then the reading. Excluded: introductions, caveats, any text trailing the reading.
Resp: 11:16
